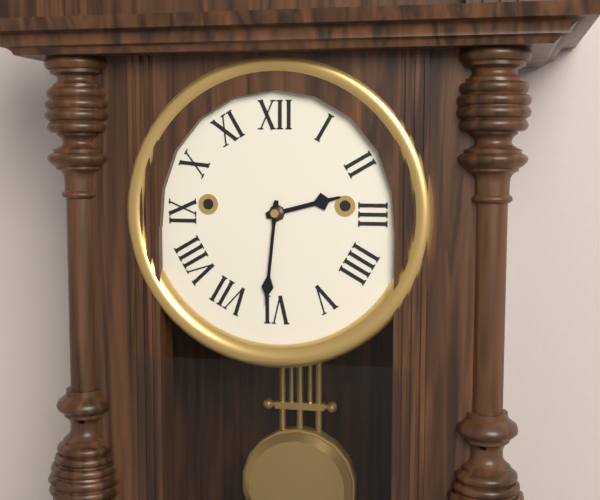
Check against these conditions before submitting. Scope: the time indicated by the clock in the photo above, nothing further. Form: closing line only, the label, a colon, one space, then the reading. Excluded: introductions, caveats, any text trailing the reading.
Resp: 2:31
